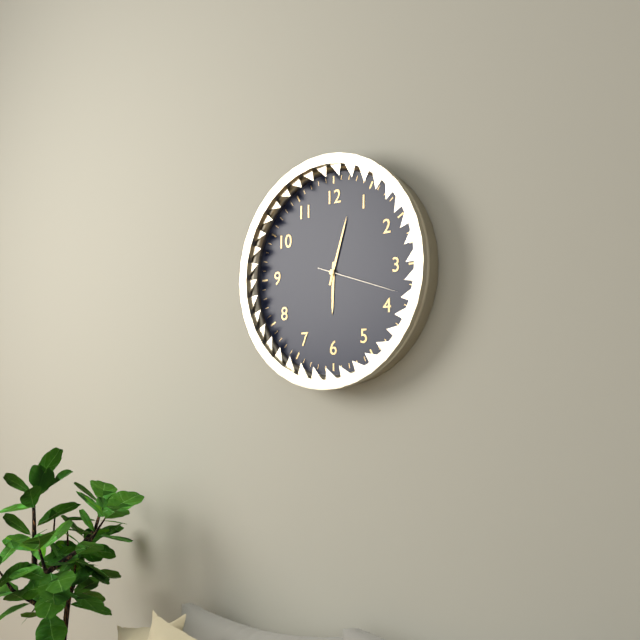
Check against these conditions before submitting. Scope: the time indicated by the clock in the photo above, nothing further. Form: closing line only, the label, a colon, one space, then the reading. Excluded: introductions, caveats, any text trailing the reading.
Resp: 6:03:18
